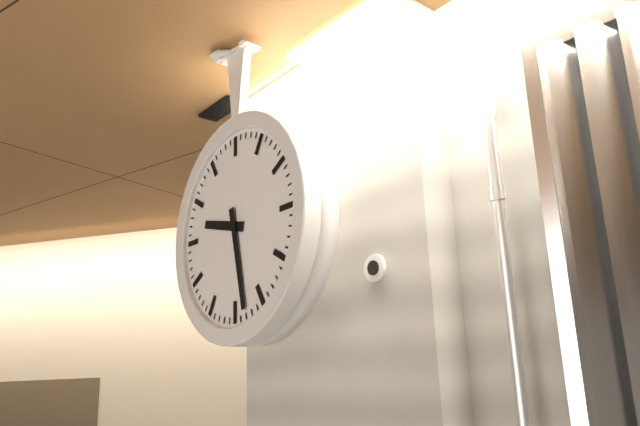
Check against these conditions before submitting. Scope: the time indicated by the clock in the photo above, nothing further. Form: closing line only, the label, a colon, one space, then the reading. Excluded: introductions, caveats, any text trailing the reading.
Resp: 9:28
